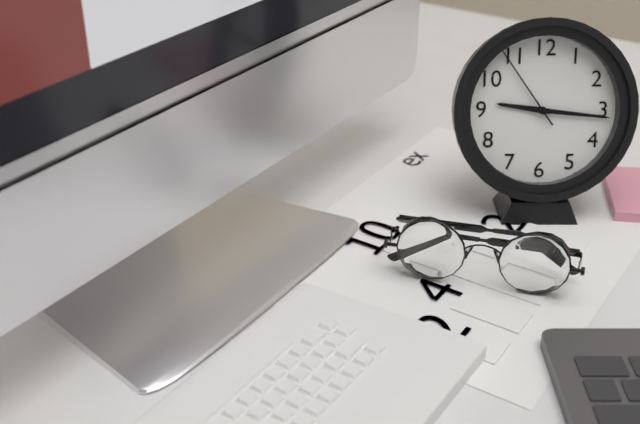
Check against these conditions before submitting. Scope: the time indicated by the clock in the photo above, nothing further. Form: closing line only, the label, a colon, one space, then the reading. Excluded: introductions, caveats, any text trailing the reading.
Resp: 9:16:54
